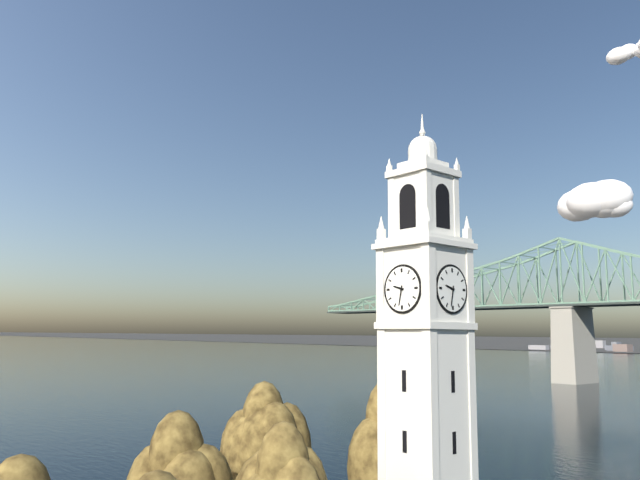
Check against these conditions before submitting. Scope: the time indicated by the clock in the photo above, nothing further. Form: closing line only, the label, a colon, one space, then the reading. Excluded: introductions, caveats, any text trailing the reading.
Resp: 9:32
